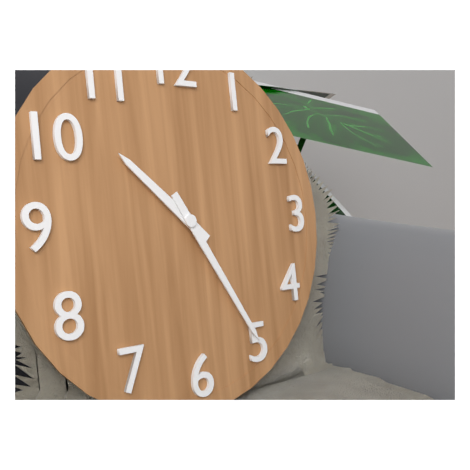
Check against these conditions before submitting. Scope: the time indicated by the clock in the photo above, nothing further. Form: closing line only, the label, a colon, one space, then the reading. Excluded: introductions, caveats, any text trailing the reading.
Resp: 10:25
